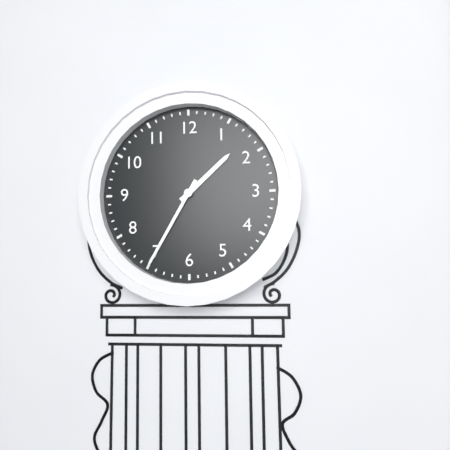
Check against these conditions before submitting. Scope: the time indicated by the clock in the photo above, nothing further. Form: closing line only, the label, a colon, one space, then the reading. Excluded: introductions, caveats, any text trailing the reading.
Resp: 1:35
